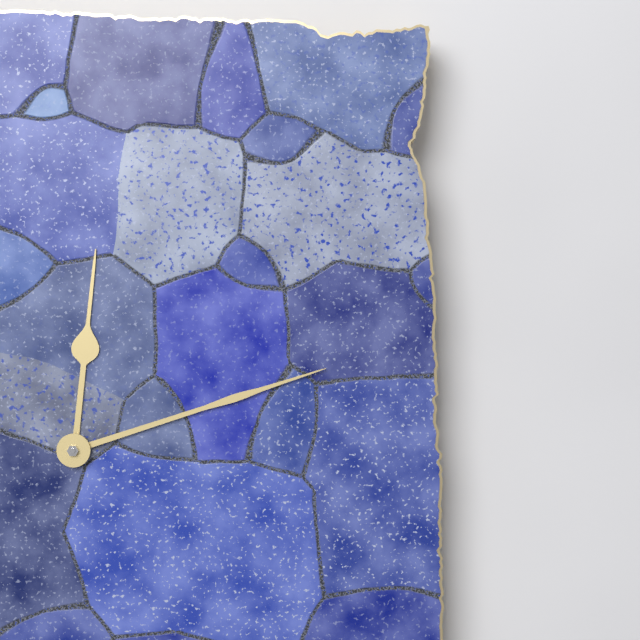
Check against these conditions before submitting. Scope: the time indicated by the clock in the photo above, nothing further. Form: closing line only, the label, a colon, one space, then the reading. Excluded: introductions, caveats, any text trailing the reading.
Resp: 12:12
